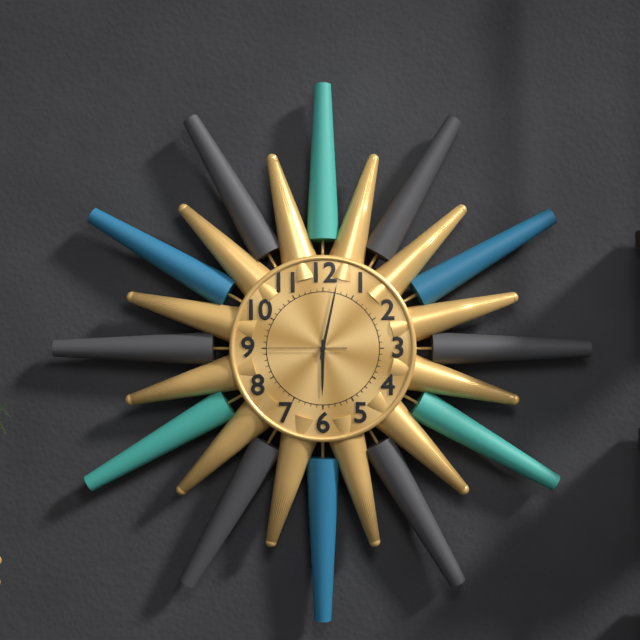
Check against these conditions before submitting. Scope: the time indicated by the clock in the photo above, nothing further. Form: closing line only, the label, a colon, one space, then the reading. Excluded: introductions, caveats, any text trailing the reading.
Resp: 6:02:45
